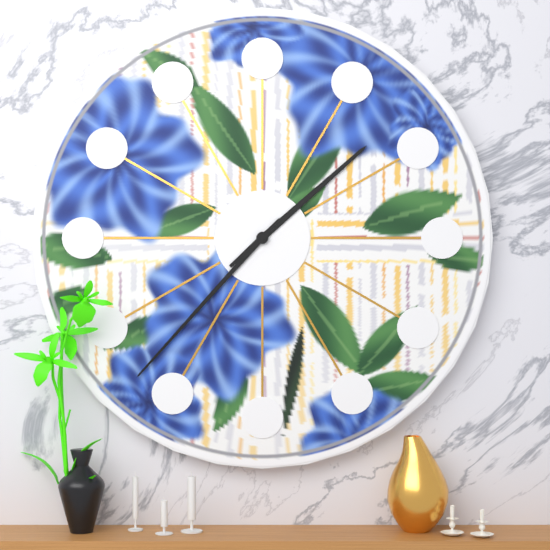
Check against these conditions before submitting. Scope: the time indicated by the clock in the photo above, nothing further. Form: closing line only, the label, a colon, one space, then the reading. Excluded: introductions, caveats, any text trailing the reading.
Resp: 1:37
